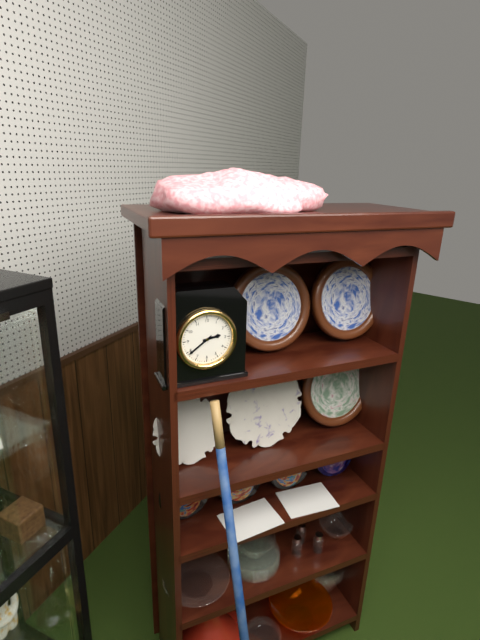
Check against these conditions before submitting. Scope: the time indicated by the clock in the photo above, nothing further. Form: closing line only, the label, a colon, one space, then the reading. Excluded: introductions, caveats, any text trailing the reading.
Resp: 2:39
